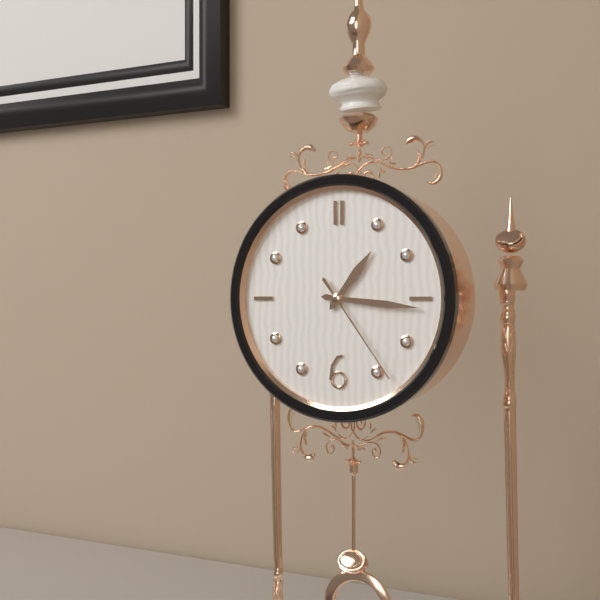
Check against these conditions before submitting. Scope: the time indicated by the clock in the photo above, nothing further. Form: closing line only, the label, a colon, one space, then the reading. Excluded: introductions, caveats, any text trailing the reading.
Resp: 1:16:24
